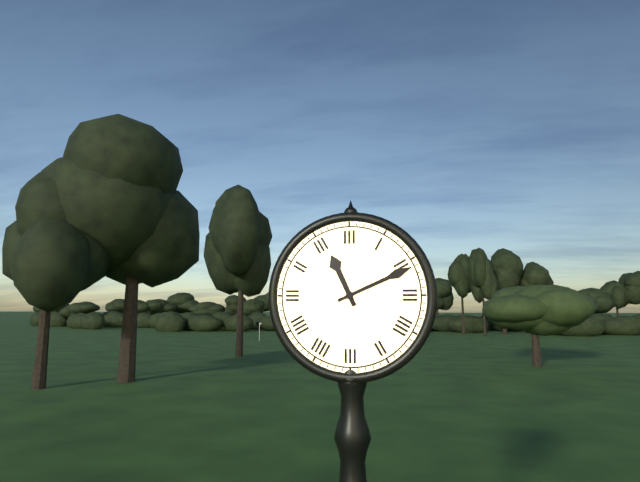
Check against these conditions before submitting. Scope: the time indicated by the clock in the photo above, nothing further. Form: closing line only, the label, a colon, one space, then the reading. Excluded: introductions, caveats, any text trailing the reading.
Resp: 11:11
